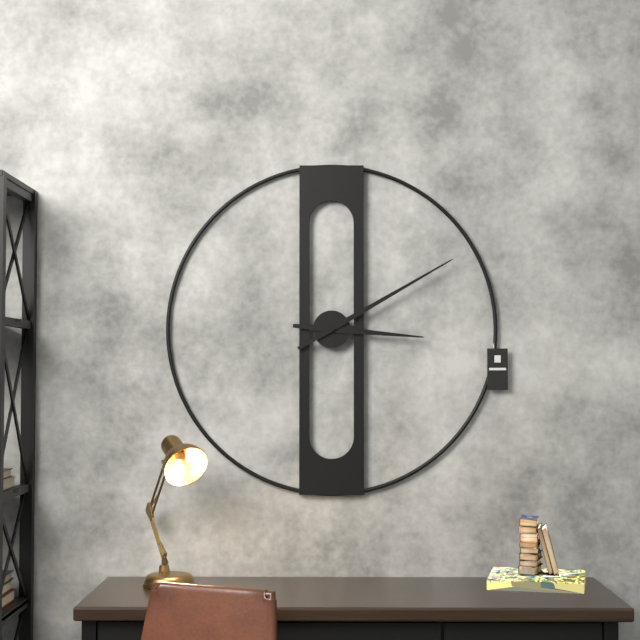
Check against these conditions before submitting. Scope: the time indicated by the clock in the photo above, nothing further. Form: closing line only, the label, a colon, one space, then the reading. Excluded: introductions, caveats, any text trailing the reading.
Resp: 3:10
